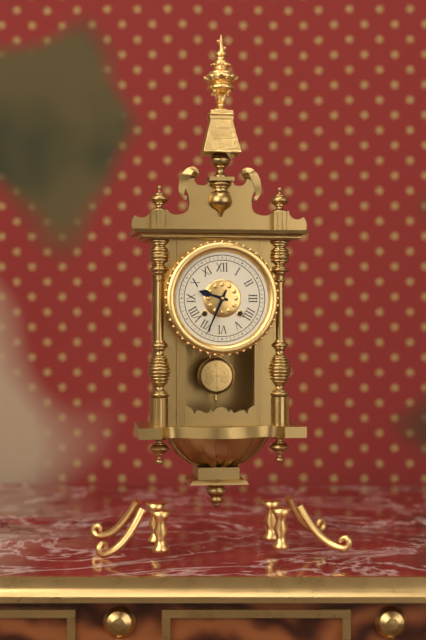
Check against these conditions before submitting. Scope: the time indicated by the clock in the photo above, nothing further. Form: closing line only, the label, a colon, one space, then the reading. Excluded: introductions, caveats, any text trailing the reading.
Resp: 9:34
